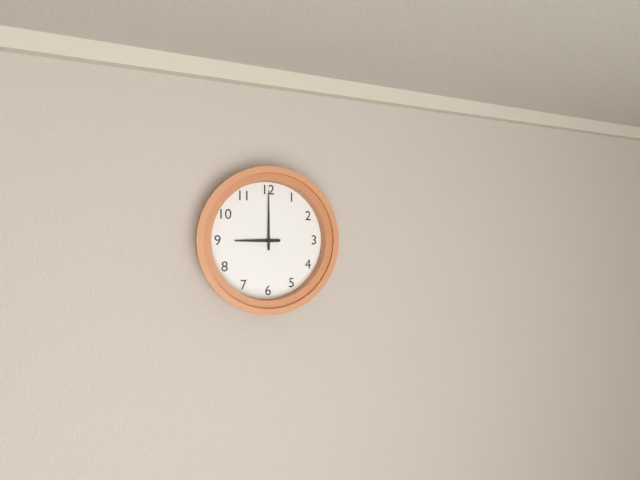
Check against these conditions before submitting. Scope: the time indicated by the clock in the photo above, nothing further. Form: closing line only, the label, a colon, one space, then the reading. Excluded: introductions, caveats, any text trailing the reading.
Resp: 9:00
